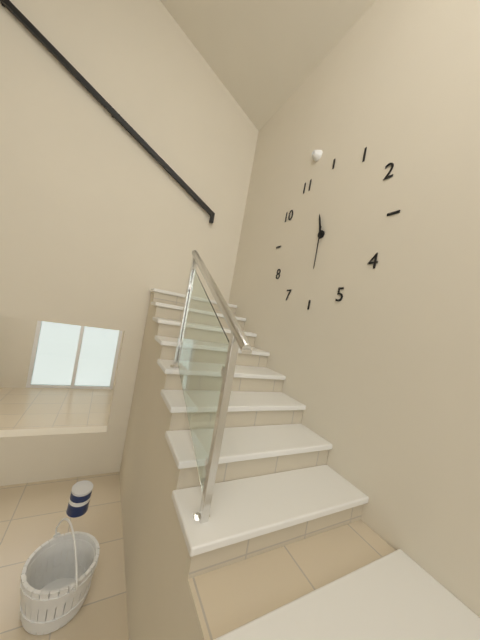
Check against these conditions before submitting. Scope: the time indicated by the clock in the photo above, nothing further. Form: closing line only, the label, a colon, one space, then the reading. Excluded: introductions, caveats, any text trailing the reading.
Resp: 11:30
